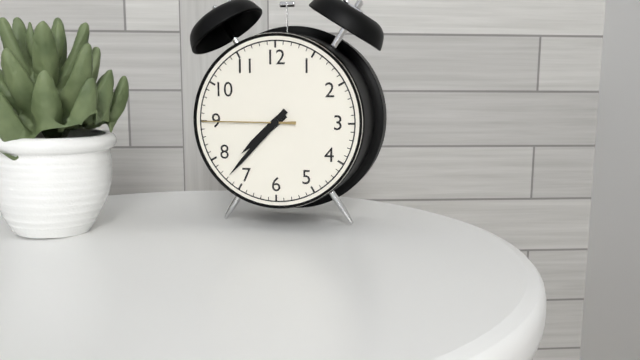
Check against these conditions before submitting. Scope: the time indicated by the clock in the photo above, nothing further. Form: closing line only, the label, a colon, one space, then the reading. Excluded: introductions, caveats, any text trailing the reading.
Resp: 7:37:45
